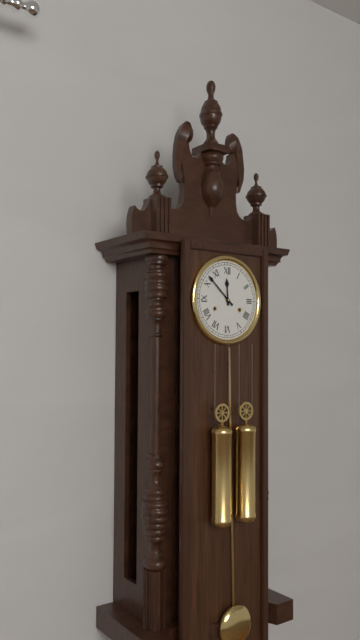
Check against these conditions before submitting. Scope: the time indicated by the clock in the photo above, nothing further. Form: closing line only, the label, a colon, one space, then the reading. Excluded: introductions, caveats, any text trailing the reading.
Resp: 11:52
